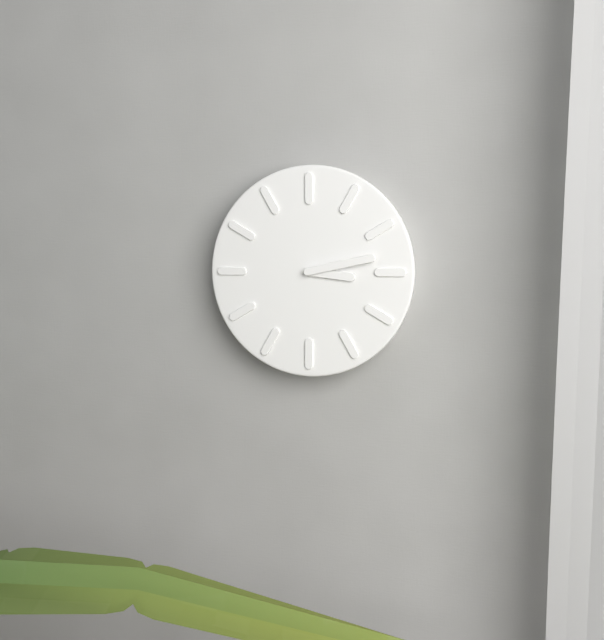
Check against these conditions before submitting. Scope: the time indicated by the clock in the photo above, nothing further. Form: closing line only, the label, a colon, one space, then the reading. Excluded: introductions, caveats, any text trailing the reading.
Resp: 3:13
